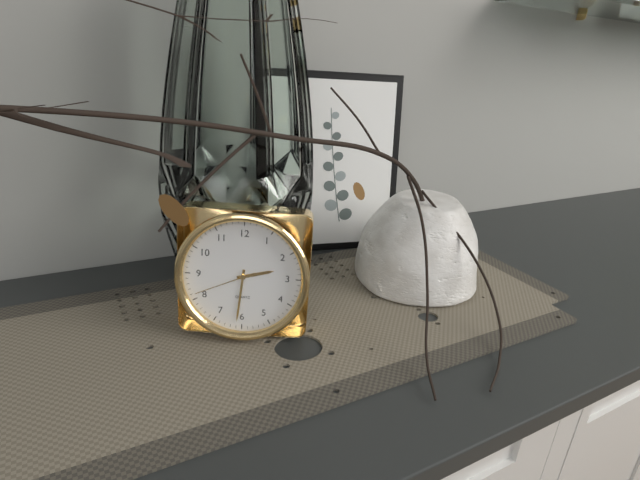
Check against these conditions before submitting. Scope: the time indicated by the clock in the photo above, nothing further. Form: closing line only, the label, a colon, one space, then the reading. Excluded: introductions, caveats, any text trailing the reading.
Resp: 2:31:41
